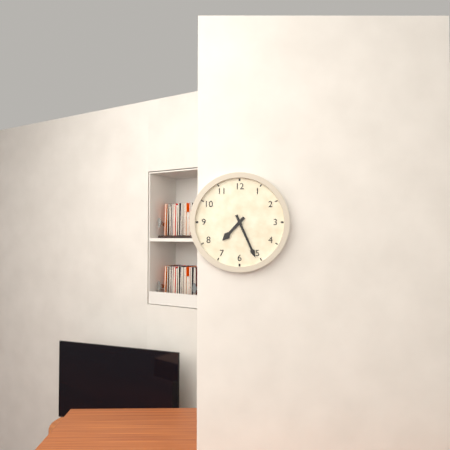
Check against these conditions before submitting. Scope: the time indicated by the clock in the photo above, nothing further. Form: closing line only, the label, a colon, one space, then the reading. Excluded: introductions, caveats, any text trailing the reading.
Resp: 7:26
